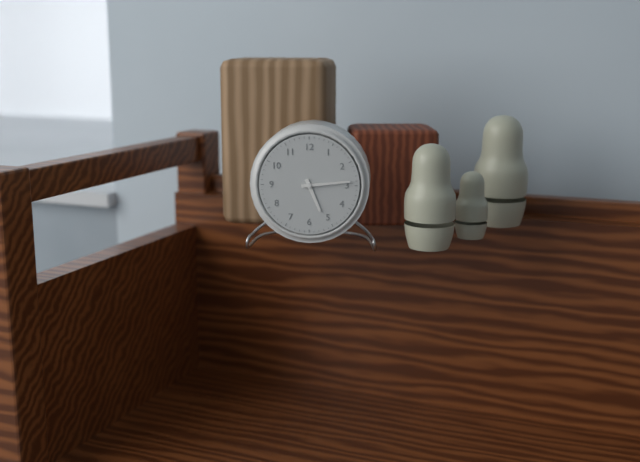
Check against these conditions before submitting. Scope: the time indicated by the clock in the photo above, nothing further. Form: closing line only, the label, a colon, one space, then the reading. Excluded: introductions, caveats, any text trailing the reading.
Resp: 5:14
